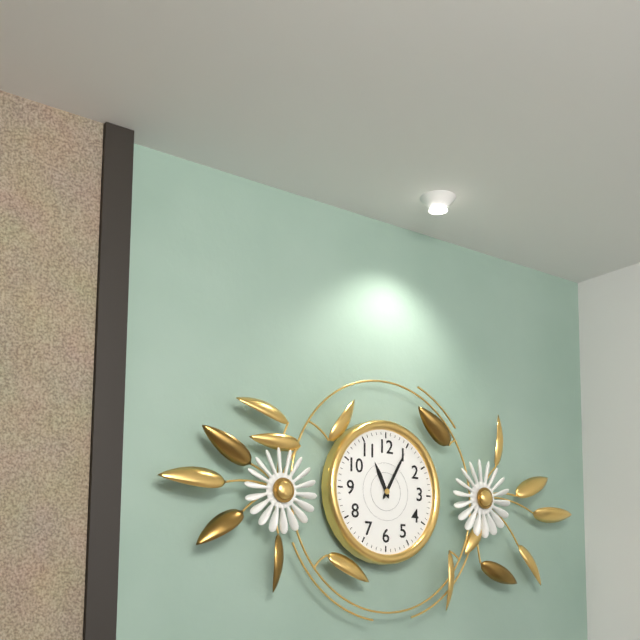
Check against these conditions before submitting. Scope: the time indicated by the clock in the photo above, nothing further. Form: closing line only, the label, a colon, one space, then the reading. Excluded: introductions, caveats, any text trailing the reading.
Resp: 11:05
